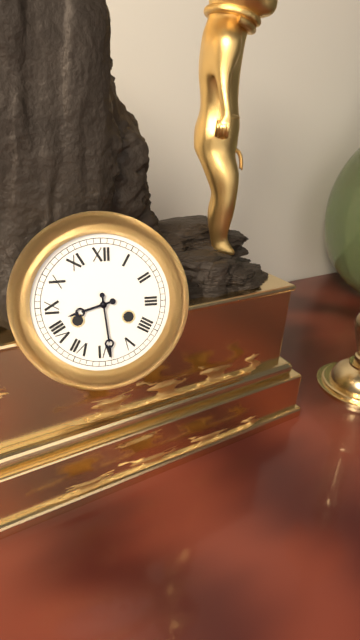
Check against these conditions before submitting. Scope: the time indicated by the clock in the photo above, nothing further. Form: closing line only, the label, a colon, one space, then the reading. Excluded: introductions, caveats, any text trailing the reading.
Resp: 8:29
